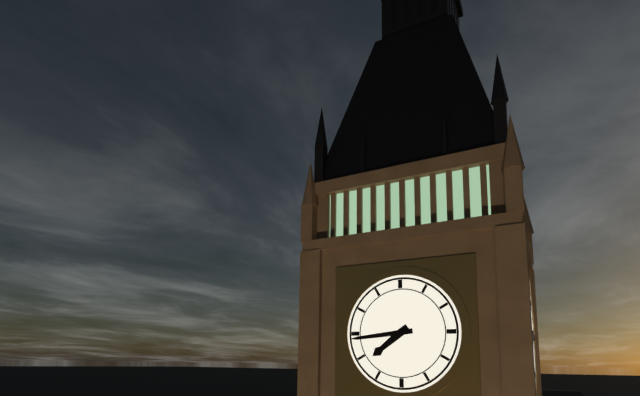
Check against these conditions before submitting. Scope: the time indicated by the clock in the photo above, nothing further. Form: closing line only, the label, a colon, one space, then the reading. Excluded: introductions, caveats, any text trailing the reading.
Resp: 7:44
